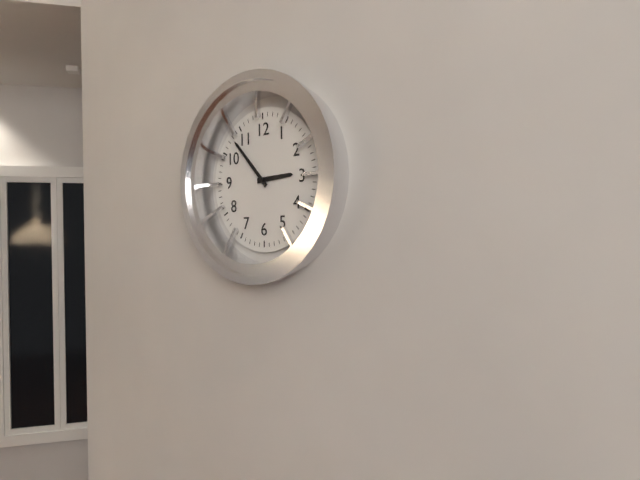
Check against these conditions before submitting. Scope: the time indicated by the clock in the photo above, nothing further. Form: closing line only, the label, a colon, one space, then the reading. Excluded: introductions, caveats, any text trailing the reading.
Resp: 2:53
